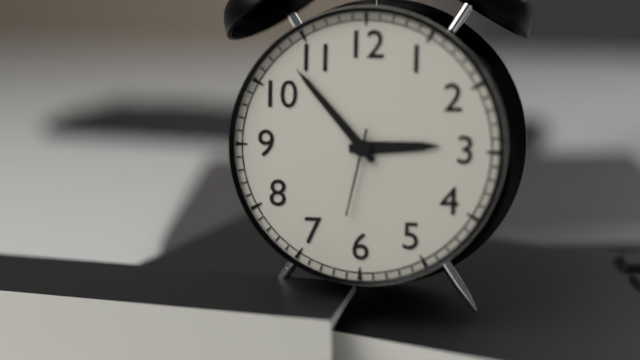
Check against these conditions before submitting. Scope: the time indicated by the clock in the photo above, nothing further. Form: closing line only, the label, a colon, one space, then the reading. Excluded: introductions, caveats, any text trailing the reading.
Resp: 2:53:32
